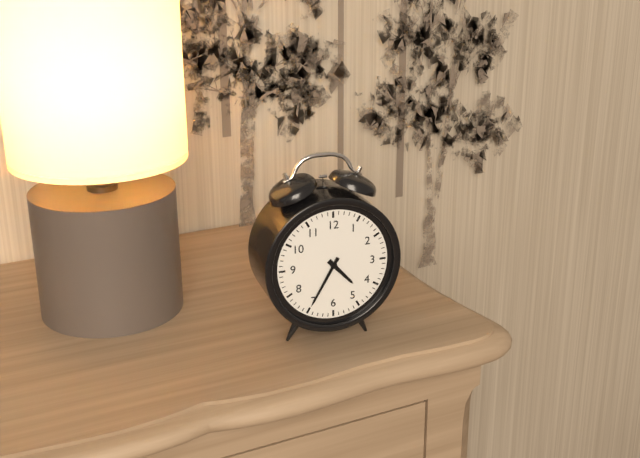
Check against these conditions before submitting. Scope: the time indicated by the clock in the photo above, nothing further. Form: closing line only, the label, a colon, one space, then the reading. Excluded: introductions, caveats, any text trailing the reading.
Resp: 4:35
